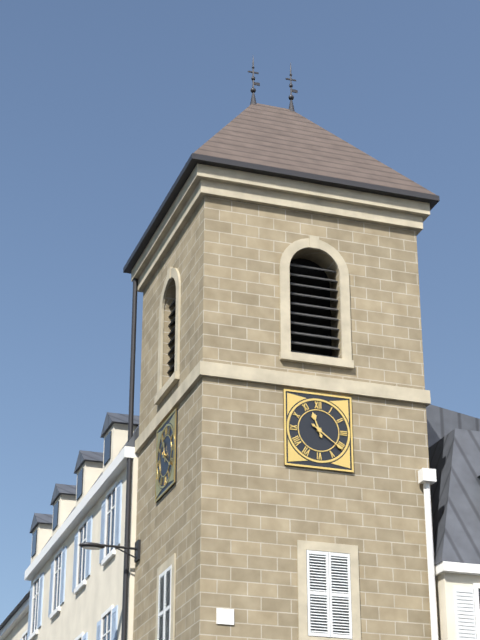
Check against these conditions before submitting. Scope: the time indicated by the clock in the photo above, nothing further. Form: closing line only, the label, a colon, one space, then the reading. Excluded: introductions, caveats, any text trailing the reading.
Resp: 11:21
